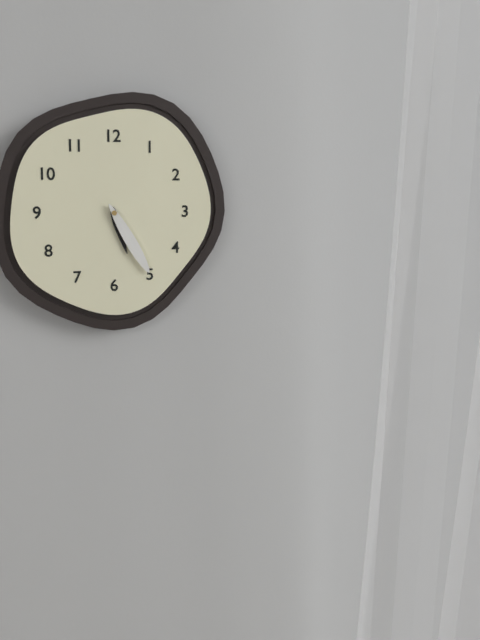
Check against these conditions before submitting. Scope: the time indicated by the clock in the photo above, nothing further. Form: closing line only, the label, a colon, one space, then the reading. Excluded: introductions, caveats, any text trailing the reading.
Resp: 5:25
